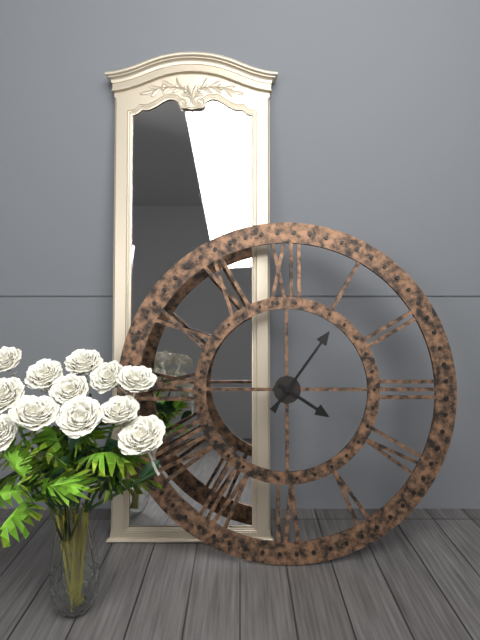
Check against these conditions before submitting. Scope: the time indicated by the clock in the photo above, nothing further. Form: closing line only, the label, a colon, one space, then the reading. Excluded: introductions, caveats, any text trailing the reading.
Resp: 4:06
